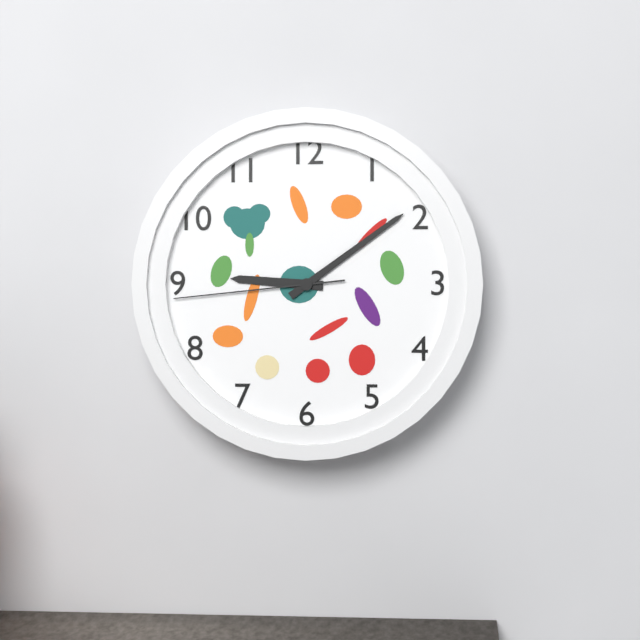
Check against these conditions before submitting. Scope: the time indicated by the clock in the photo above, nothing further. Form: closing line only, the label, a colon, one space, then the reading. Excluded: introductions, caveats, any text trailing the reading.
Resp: 9:09:44
